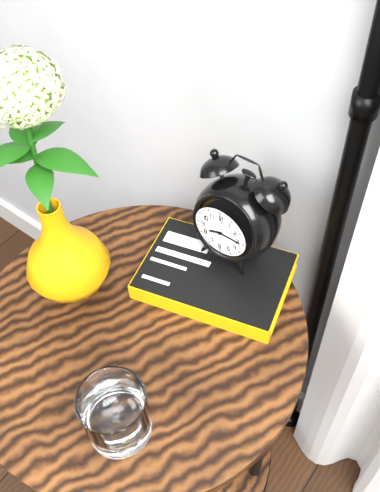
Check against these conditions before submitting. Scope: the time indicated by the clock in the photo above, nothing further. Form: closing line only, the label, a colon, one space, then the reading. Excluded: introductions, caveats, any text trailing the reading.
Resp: 8:15
